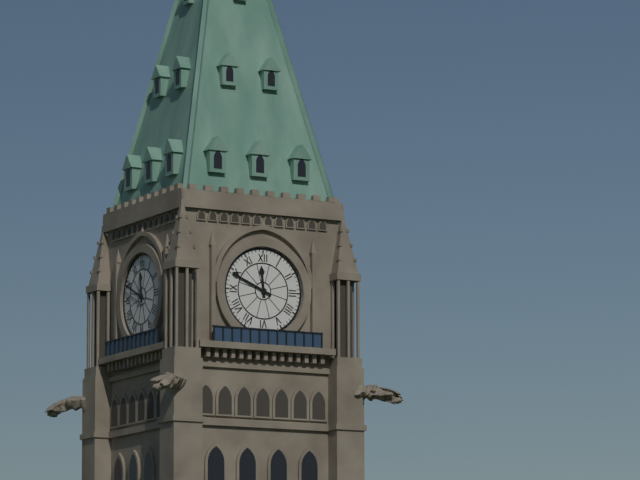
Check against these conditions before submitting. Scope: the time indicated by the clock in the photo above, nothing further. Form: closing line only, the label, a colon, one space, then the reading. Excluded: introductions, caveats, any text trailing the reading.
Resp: 11:49
